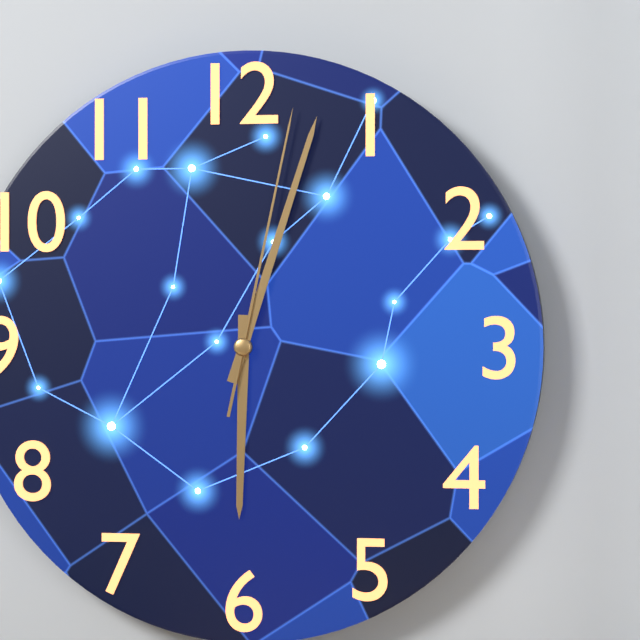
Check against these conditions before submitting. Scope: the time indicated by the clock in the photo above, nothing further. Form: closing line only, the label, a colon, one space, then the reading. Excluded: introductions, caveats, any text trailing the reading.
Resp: 6:03:02
